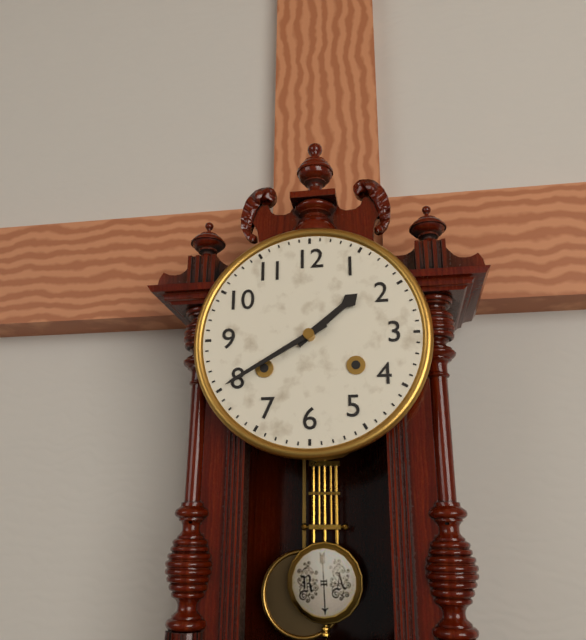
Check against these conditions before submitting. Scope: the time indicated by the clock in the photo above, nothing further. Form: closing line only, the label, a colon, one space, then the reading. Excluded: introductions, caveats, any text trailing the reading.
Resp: 1:40
